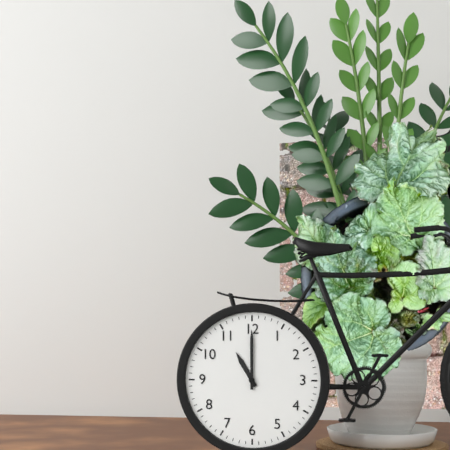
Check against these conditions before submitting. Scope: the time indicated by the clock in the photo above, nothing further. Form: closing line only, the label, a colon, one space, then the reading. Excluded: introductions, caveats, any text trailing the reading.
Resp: 11:00
